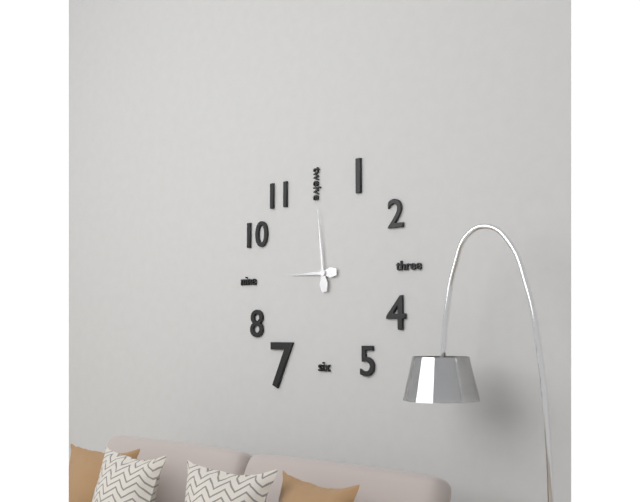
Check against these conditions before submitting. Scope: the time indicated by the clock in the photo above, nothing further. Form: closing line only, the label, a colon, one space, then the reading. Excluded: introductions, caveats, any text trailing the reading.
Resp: 8:59
